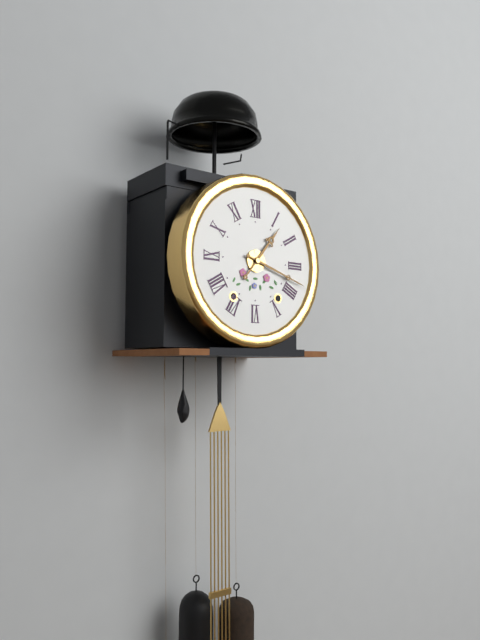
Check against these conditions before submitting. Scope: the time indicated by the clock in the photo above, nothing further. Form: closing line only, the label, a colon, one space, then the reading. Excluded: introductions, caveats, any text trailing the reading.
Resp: 1:18
